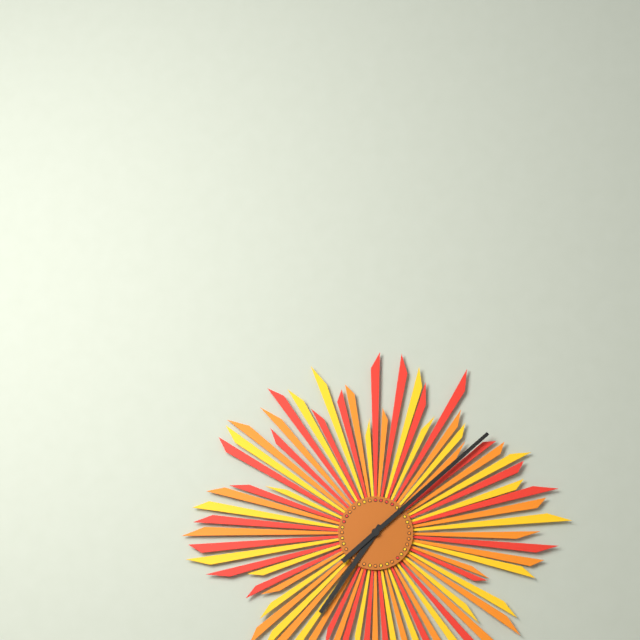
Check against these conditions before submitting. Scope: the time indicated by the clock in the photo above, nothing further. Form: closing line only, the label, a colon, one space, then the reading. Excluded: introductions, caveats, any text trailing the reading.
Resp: 7:08
